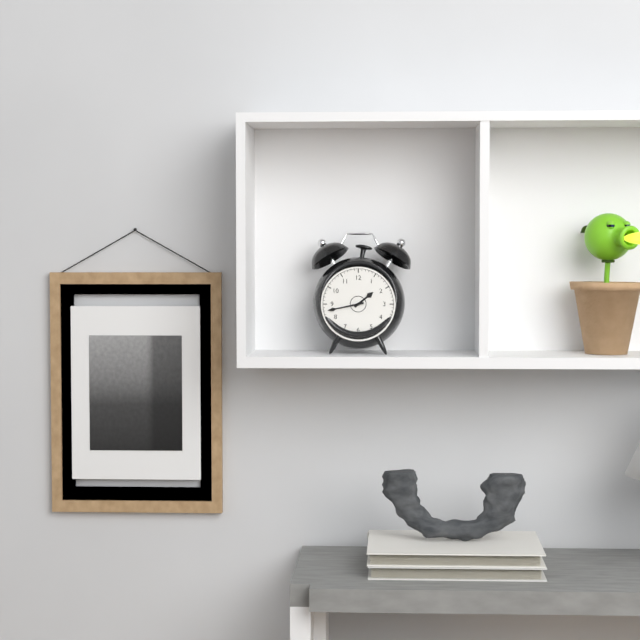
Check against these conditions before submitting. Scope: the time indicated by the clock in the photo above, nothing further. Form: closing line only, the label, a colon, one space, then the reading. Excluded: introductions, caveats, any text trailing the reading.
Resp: 1:43
